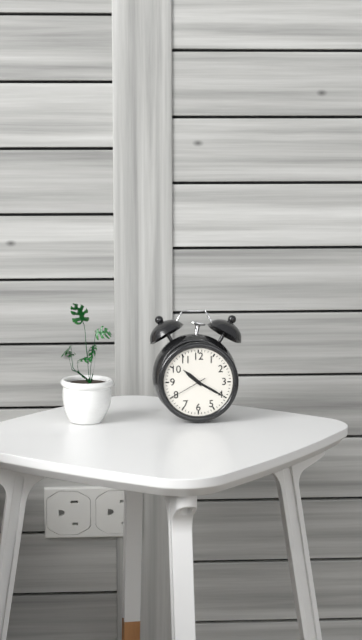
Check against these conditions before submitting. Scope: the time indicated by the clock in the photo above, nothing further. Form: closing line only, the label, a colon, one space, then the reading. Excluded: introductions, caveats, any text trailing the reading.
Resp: 10:20
